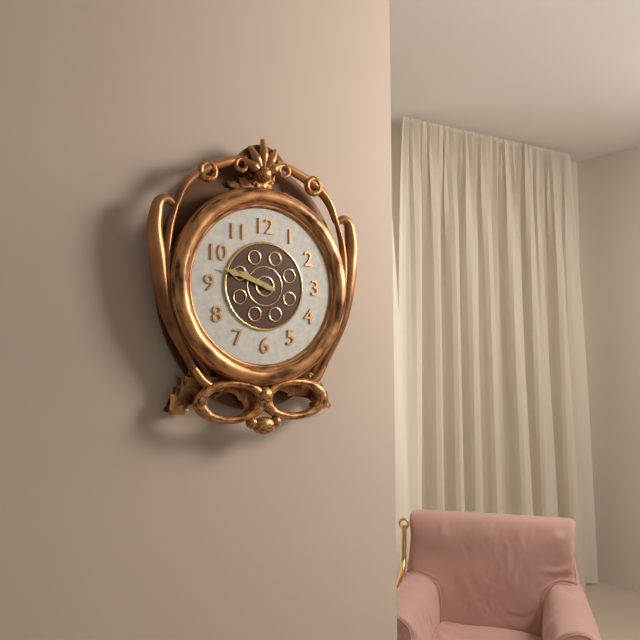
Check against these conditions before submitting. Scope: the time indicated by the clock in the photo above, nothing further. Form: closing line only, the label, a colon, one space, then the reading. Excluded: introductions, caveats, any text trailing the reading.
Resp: 9:48
